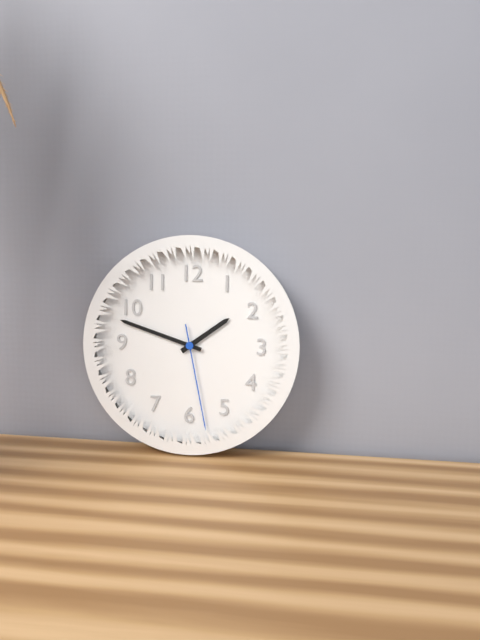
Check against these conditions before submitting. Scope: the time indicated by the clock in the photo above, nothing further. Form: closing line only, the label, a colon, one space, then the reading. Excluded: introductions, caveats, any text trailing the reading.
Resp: 1:48:28
